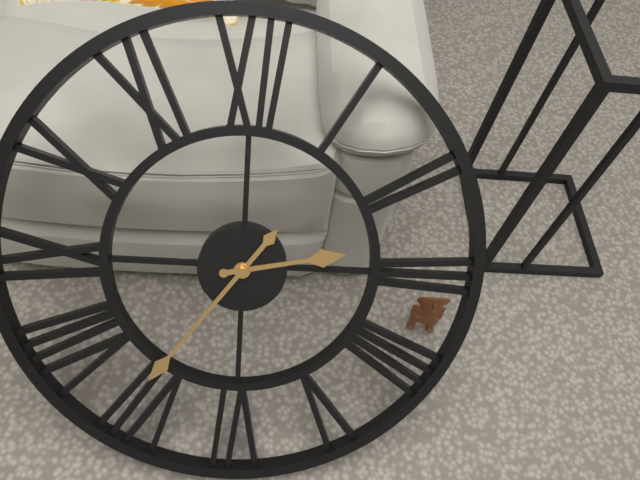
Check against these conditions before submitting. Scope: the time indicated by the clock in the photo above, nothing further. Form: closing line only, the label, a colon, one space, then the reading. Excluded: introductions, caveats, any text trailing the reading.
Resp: 2:36
